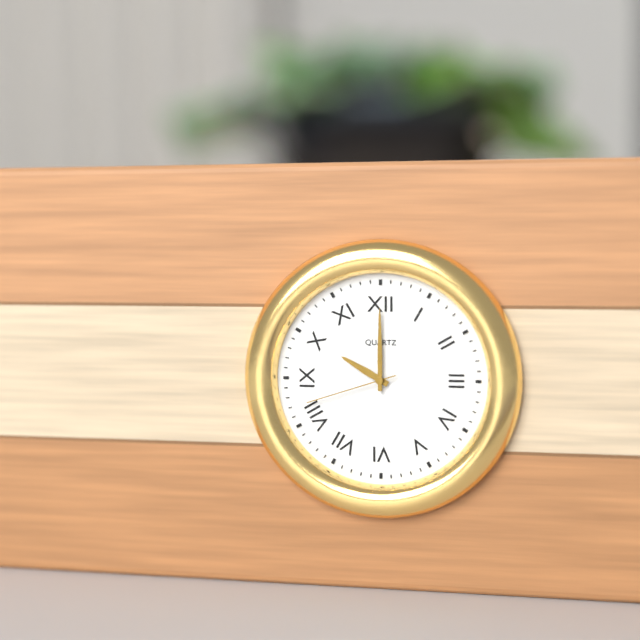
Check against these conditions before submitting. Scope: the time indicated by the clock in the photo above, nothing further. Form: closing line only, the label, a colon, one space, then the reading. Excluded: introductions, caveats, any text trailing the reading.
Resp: 10:00:42
